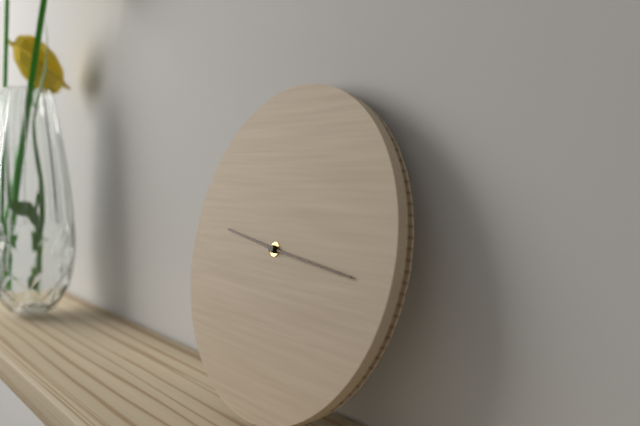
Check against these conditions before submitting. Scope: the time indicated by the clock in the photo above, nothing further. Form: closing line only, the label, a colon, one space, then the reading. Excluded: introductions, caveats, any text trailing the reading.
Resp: 9:16
